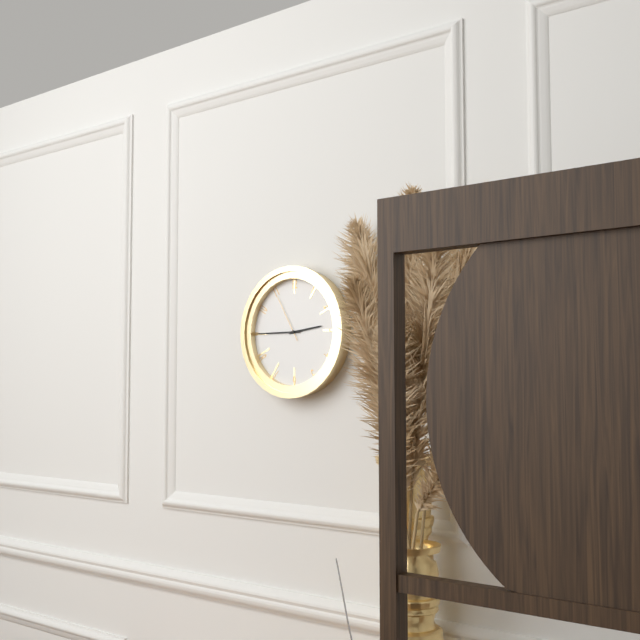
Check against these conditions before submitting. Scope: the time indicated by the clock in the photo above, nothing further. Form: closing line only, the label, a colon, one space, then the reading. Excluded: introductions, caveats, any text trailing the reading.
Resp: 2:45:55
